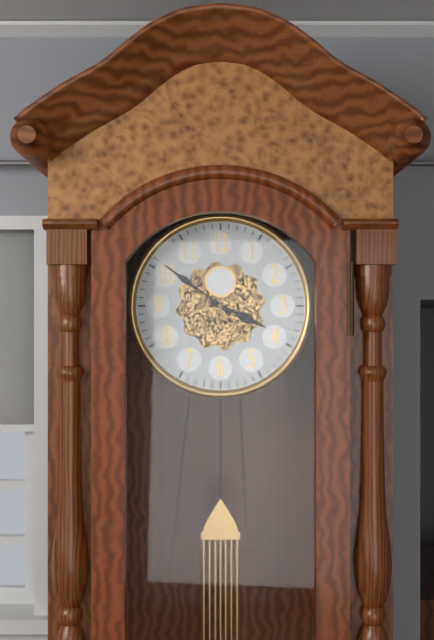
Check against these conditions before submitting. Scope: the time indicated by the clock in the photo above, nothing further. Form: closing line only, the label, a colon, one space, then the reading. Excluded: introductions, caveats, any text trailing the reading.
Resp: 3:51
